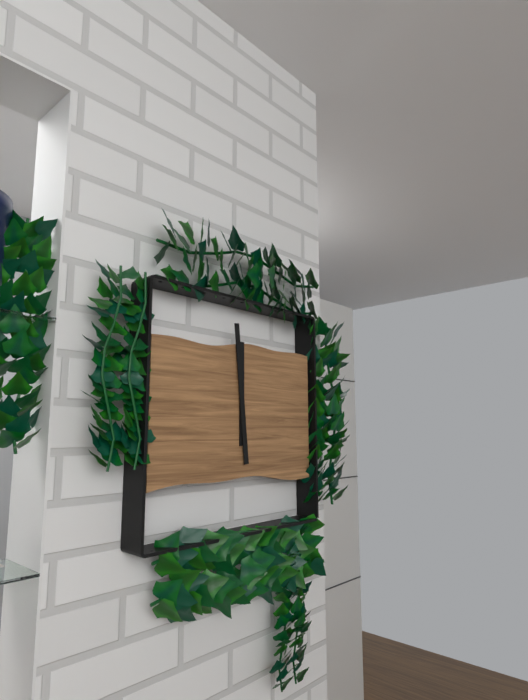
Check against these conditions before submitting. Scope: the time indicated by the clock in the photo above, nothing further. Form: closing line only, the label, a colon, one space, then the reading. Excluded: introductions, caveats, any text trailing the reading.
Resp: 11:59
